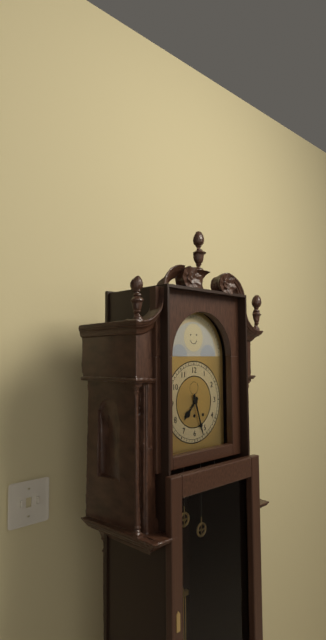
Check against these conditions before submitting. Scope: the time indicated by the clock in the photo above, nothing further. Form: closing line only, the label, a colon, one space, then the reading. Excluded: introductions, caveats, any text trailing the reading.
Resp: 7:27
